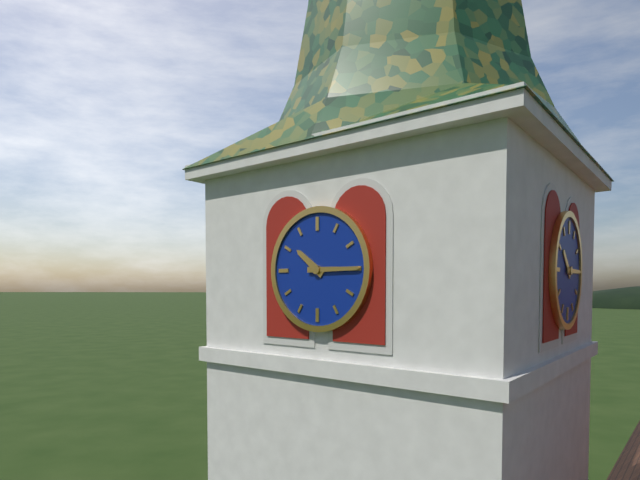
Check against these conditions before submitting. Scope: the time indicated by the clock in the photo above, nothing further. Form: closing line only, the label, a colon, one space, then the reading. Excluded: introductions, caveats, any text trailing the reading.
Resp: 10:15
